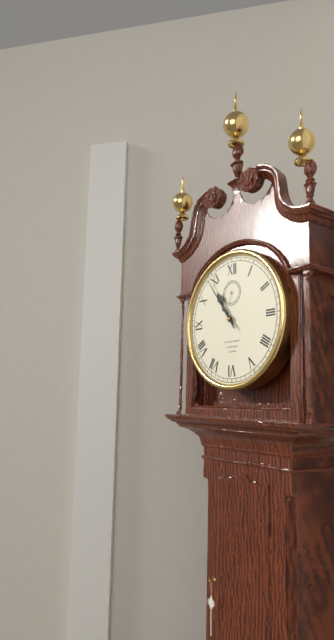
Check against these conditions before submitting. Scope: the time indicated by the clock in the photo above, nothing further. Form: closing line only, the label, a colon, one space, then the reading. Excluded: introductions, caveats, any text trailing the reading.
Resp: 10:54
